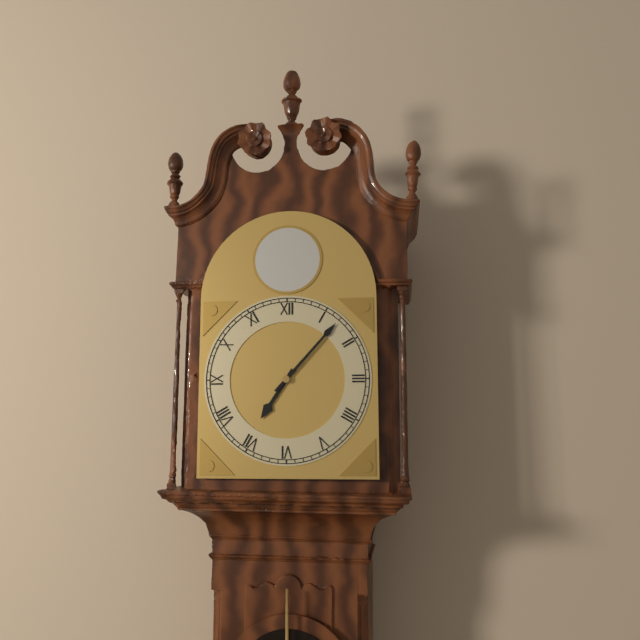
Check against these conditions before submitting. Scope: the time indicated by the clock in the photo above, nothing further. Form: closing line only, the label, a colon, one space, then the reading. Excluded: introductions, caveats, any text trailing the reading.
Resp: 7:07
